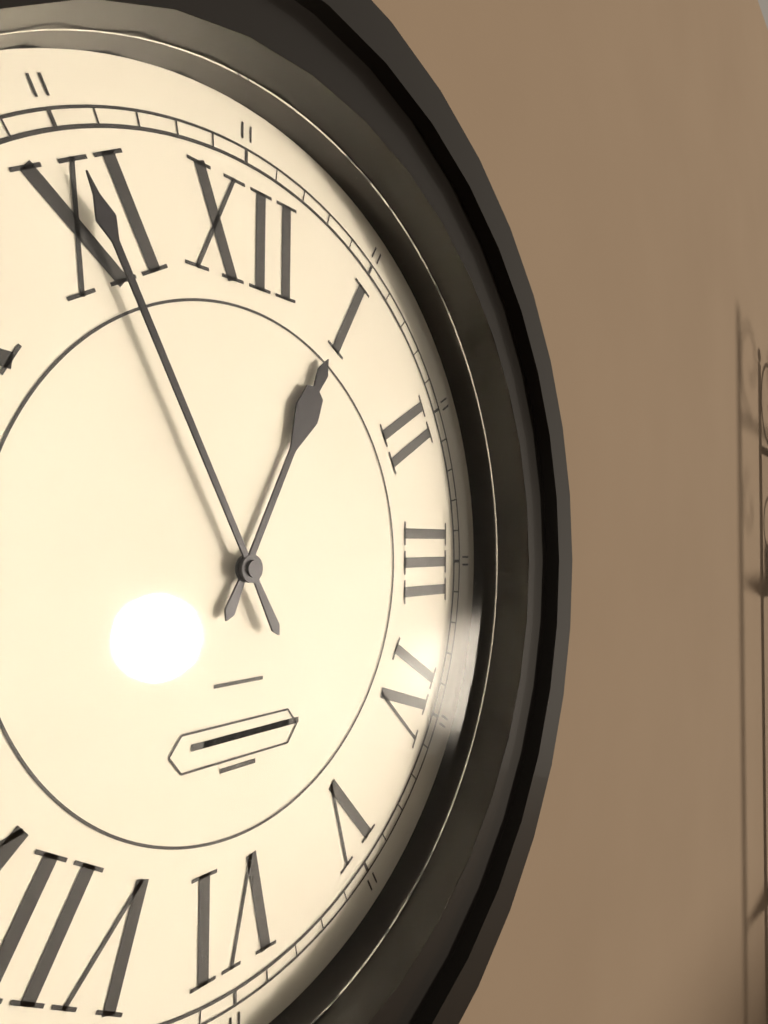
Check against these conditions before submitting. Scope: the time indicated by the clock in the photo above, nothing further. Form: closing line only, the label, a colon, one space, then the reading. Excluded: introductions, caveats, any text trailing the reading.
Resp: 12:55
